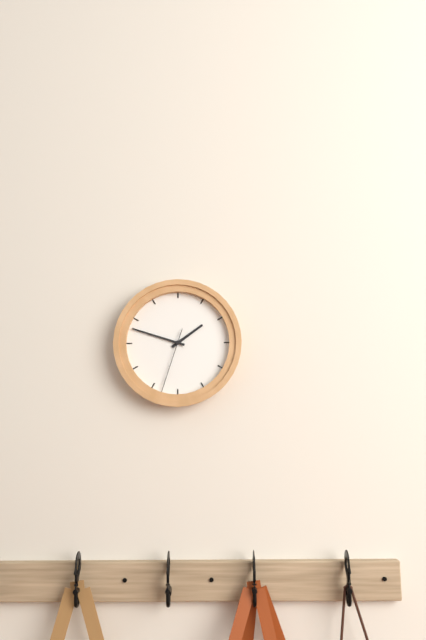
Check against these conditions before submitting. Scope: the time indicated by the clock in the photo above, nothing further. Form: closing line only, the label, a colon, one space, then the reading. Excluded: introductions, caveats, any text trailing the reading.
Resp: 1:48:33
